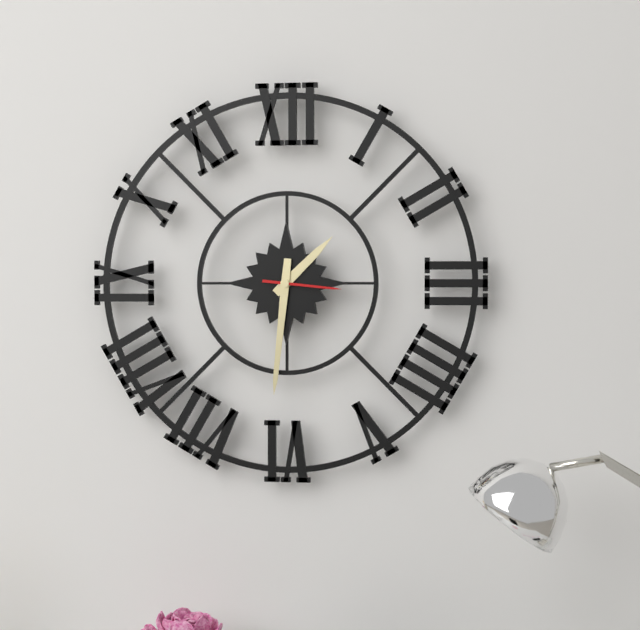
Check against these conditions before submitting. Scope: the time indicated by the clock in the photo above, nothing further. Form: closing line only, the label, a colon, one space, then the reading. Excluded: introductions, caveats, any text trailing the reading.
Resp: 1:31:16
